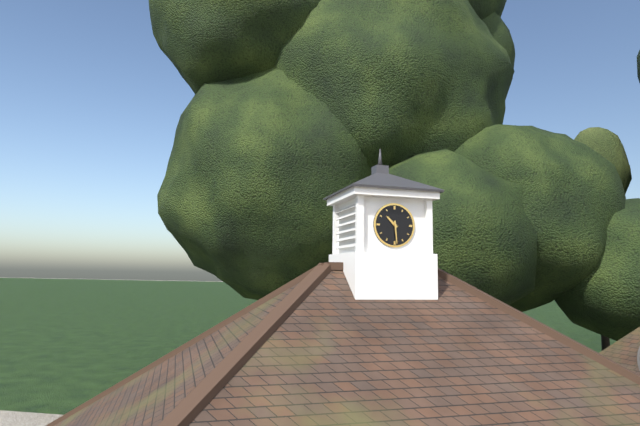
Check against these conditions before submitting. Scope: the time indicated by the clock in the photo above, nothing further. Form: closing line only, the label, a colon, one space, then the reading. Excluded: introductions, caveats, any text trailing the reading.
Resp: 10:29
